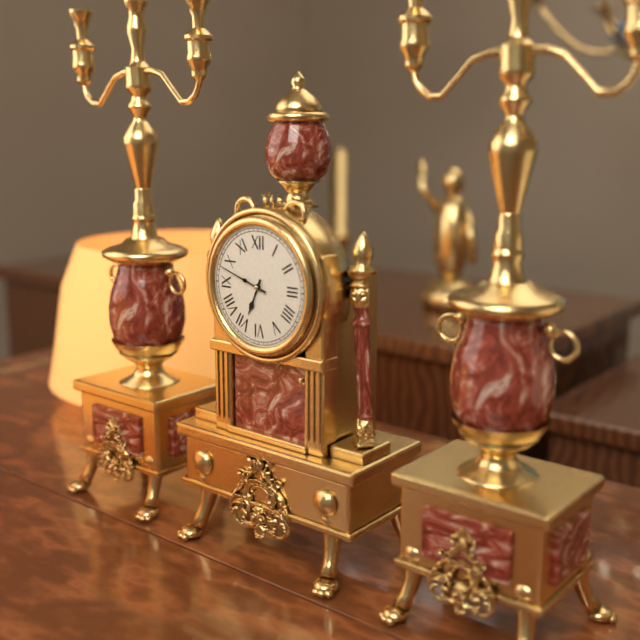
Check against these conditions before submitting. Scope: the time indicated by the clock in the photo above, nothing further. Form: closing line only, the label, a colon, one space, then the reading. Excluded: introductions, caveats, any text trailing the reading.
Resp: 6:48
